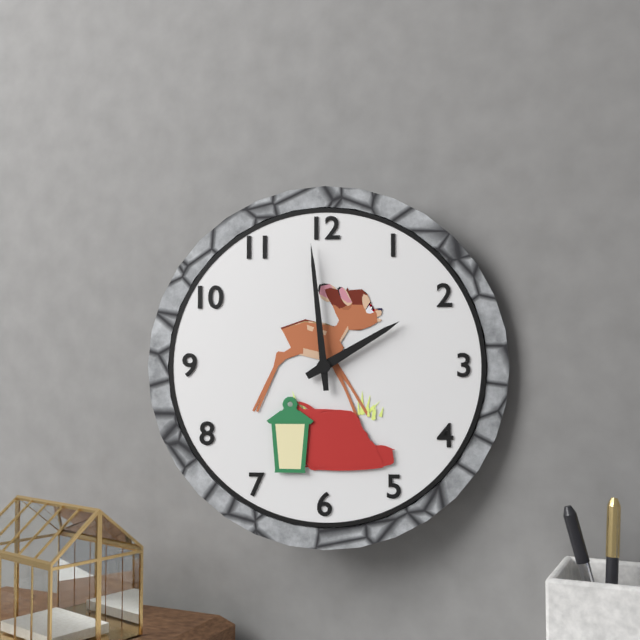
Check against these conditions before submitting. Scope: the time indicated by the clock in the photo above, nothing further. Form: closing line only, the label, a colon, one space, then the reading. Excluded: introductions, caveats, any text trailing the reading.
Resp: 1:59
